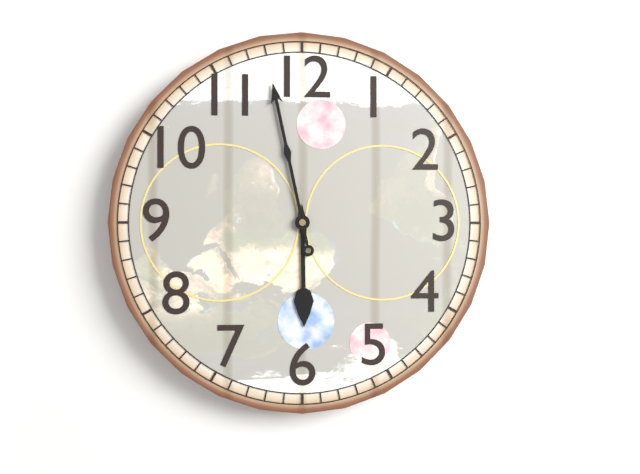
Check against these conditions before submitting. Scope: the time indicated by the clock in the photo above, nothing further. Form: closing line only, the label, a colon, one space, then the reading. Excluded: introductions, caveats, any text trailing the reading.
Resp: 5:58
